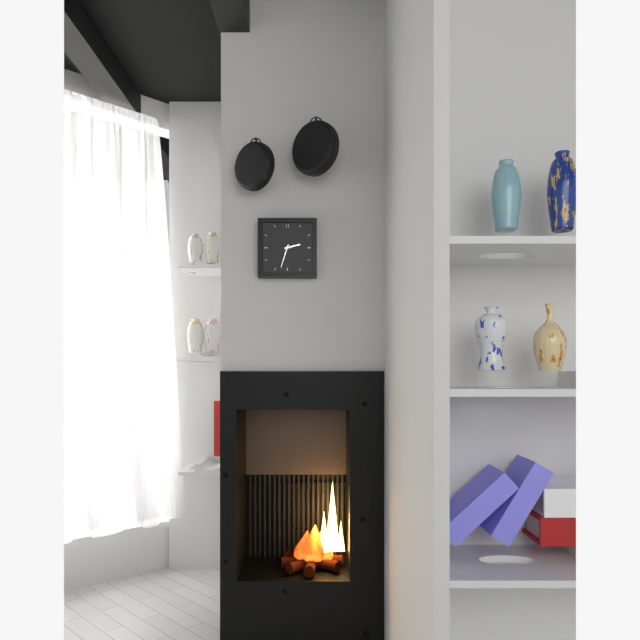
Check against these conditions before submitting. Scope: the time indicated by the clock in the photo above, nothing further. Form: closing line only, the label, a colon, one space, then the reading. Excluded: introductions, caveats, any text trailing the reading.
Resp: 2:33
